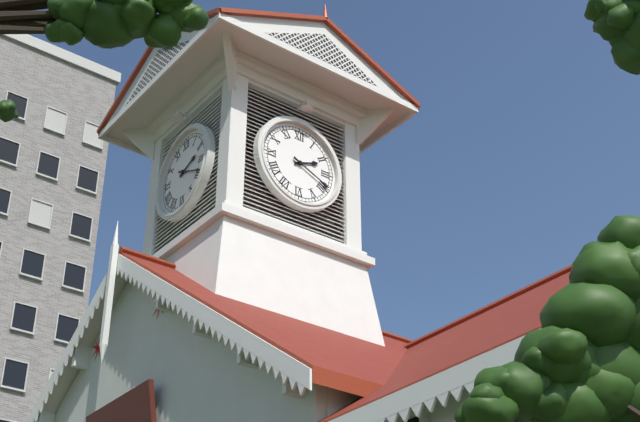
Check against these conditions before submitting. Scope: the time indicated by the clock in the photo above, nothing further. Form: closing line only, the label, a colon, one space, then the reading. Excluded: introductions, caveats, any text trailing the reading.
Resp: 2:19
